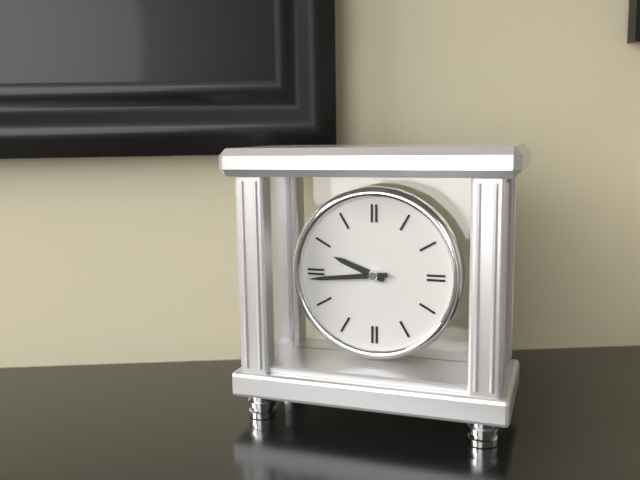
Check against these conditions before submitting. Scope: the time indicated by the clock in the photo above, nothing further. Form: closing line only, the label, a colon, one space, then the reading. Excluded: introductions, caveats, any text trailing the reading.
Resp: 9:44
